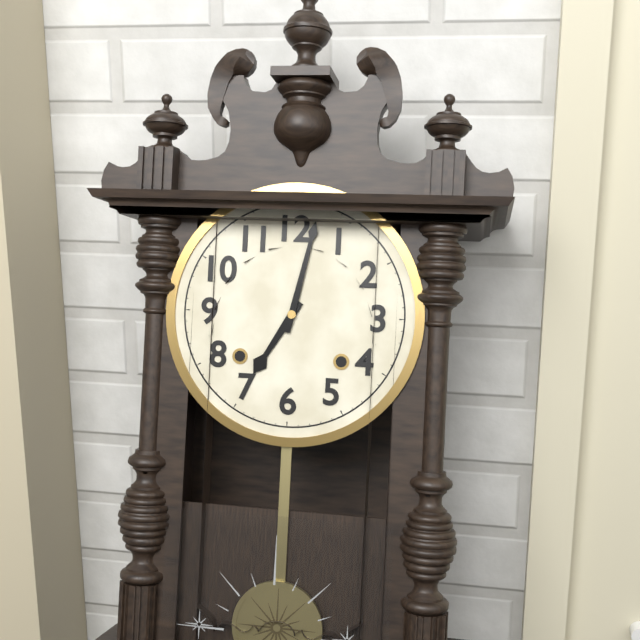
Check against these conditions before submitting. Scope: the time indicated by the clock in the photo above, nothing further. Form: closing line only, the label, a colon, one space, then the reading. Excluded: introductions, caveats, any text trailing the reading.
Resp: 7:02
